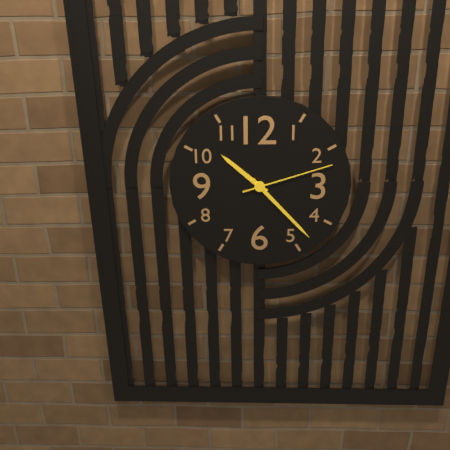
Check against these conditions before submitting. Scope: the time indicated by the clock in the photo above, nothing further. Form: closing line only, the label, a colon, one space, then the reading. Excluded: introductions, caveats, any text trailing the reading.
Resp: 10:23:12
